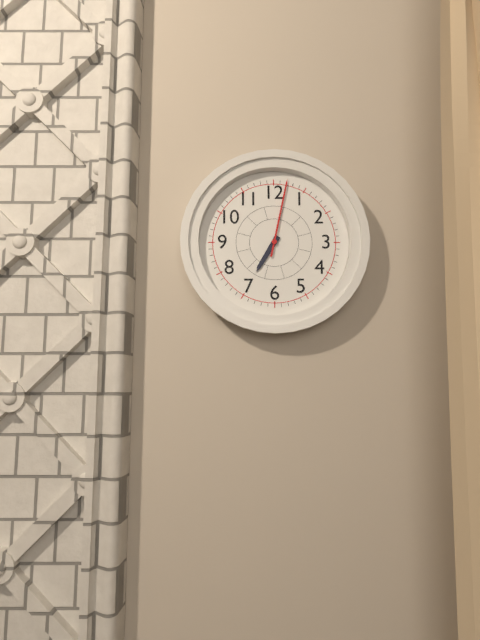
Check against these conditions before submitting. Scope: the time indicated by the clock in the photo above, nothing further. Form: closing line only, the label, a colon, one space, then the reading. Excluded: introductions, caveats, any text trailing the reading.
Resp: 7:02
